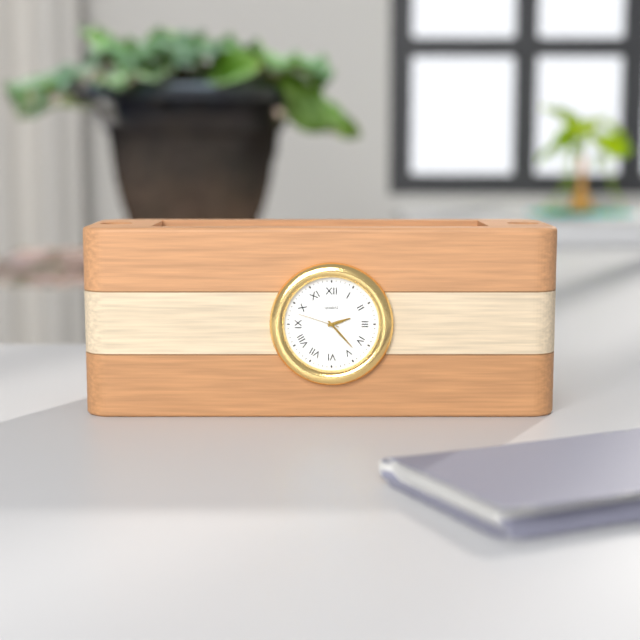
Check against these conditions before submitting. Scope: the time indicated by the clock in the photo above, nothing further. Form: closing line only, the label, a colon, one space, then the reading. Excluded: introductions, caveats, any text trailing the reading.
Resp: 2:23
